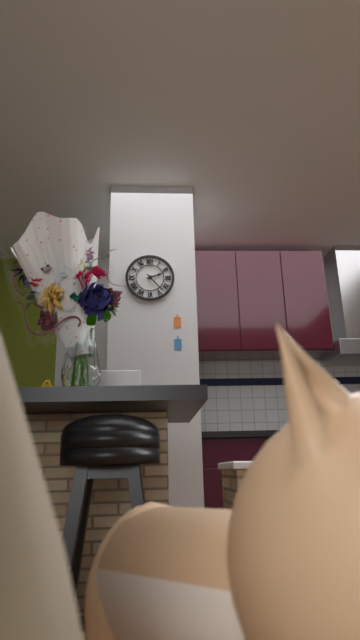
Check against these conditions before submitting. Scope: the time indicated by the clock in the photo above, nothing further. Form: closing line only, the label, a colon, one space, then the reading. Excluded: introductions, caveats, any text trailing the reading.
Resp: 2:23
